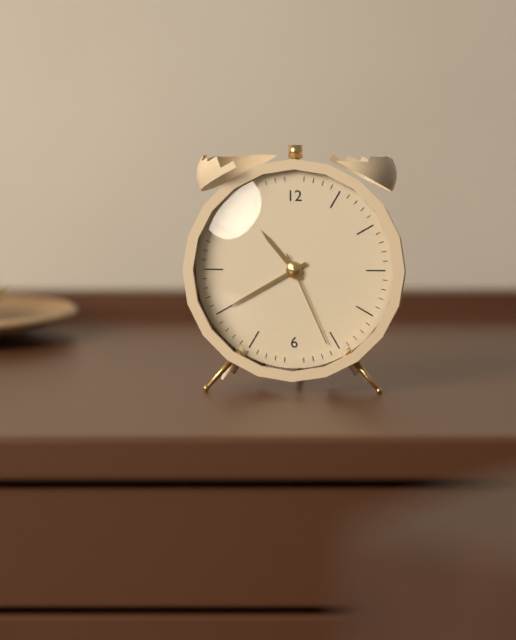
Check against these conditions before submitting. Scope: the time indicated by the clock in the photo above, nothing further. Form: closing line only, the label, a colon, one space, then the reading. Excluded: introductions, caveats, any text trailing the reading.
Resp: 10:40:26
